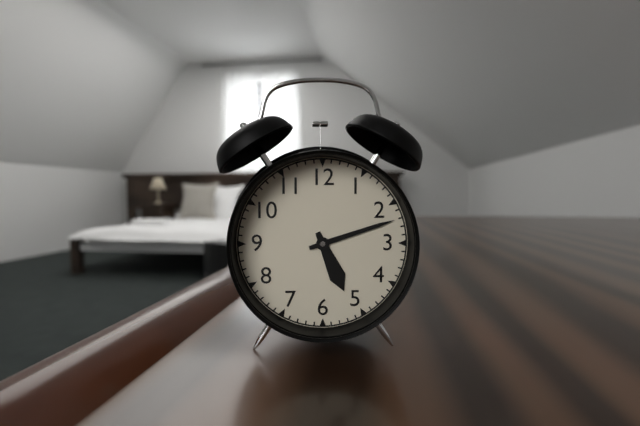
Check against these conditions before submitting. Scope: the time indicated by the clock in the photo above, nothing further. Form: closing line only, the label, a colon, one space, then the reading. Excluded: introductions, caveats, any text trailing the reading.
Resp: 5:12
